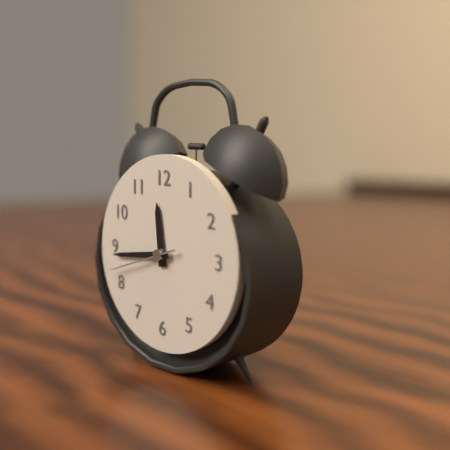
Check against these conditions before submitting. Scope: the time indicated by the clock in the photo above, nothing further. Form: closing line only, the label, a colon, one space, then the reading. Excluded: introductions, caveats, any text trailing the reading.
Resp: 11:44:42
